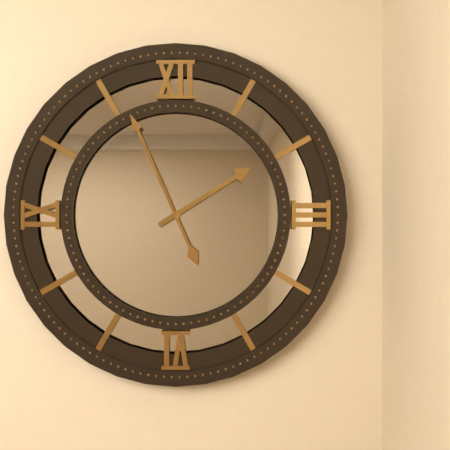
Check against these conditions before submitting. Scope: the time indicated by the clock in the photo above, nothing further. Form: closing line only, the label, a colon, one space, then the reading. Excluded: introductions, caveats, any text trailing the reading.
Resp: 1:56
